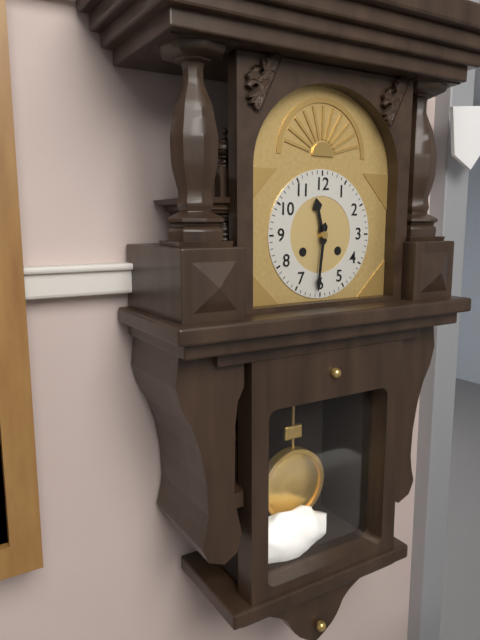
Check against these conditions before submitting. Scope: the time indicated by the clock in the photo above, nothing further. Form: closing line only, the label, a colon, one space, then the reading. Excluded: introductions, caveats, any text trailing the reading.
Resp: 11:31
